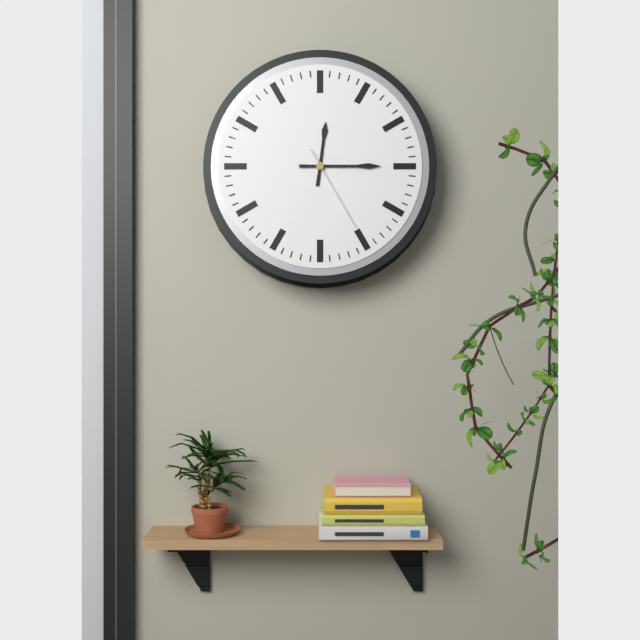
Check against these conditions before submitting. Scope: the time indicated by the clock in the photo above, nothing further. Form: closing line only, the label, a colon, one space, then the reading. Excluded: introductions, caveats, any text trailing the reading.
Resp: 12:15:25
